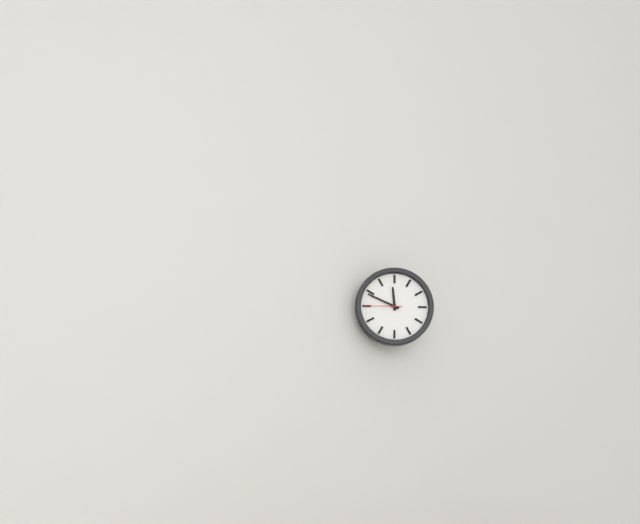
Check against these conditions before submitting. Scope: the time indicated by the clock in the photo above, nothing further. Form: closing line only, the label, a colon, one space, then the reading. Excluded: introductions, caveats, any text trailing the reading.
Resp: 11:49
